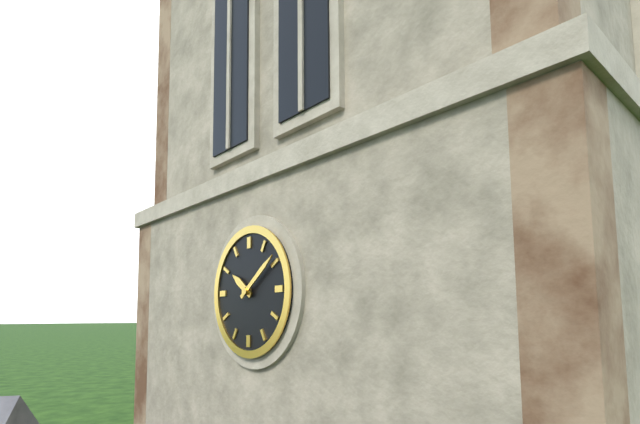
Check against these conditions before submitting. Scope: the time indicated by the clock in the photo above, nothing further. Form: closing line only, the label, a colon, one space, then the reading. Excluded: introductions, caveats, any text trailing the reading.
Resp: 10:09
